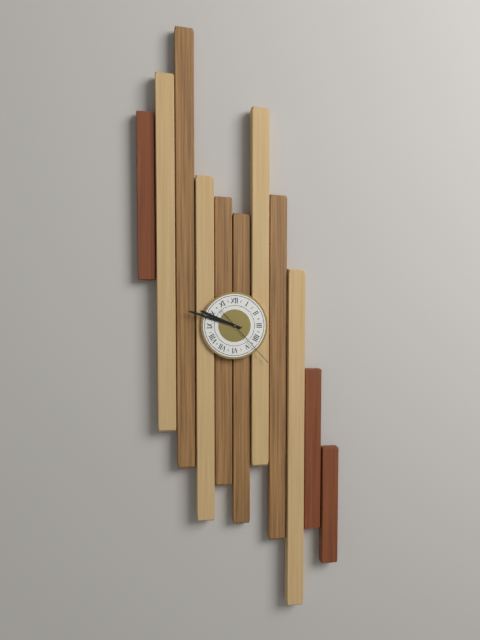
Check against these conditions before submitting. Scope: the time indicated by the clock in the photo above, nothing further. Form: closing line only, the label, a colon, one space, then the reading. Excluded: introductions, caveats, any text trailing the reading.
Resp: 9:48:23
